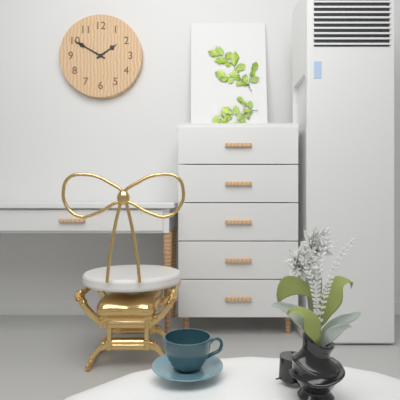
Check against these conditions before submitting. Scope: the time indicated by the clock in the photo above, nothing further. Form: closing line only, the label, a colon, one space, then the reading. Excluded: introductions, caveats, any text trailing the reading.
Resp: 1:50
